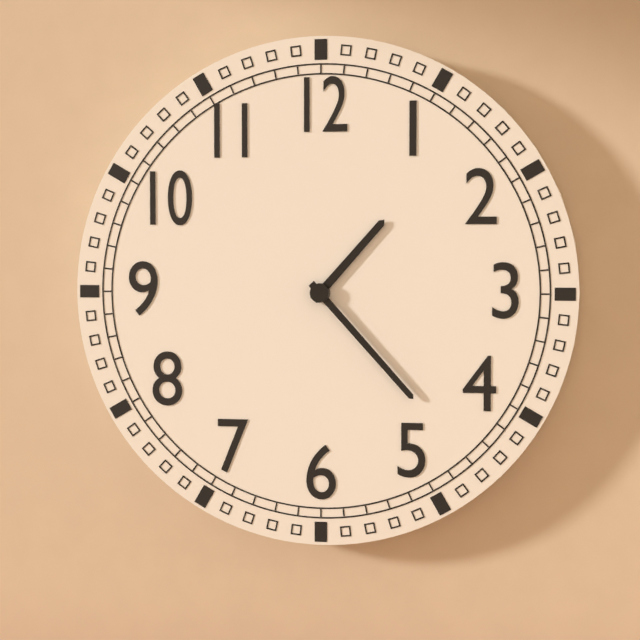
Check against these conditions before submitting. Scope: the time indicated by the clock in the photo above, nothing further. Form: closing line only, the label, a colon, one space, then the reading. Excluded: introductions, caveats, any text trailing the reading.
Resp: 1:23
